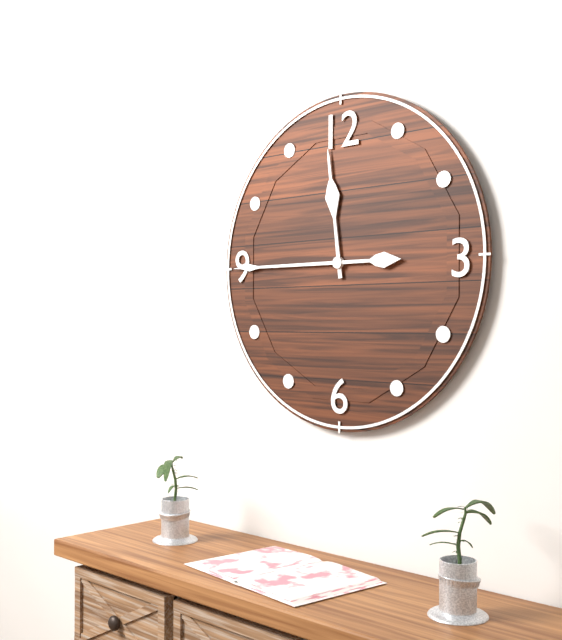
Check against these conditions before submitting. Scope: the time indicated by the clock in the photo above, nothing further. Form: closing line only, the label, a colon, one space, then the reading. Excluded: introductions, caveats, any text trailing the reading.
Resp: 11:45
